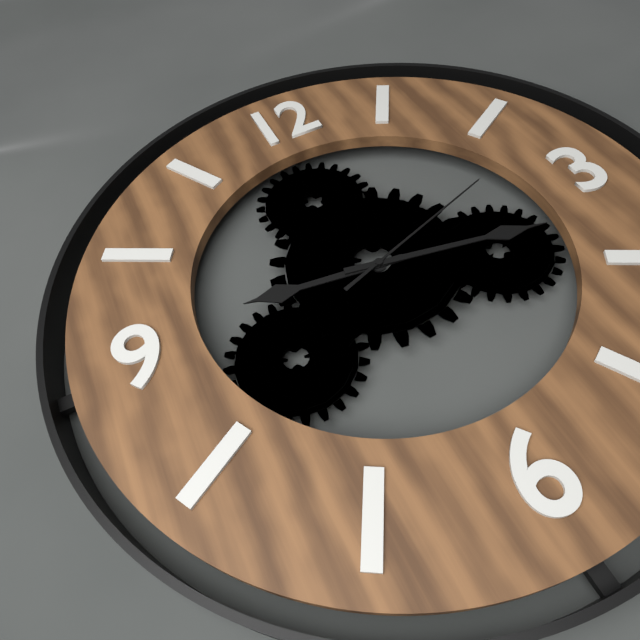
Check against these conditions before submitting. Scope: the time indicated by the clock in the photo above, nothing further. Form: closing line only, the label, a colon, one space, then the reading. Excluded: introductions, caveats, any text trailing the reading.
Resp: 9:17:12
